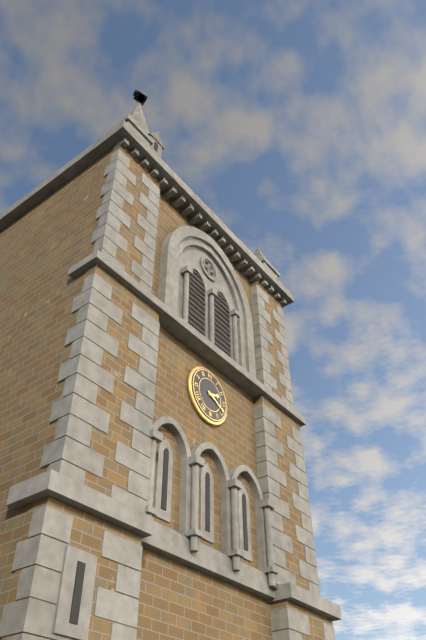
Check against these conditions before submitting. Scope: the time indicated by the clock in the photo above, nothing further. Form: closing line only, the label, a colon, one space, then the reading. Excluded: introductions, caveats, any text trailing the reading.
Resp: 2:19
